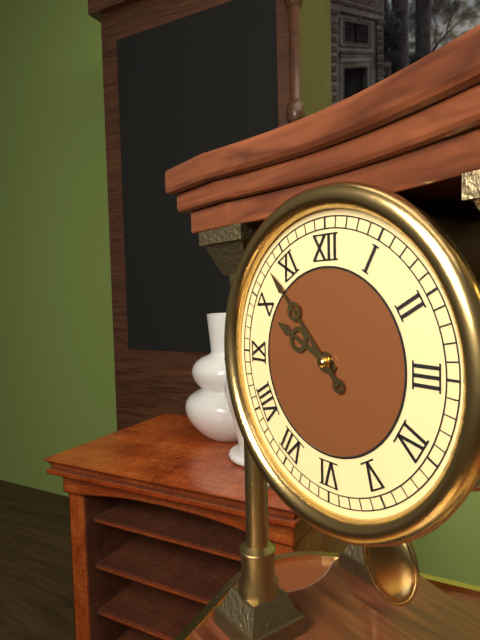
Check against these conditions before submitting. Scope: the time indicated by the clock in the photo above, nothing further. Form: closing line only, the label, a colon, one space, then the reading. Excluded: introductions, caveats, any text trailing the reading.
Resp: 9:53
